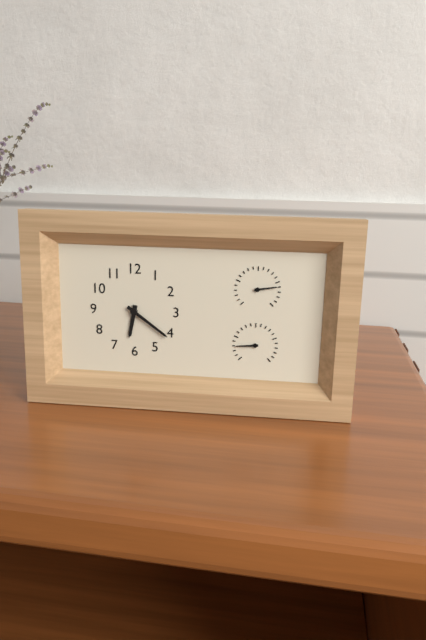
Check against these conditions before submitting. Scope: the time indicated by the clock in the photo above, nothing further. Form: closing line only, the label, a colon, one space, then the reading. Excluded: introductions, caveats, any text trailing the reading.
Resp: 6:21
